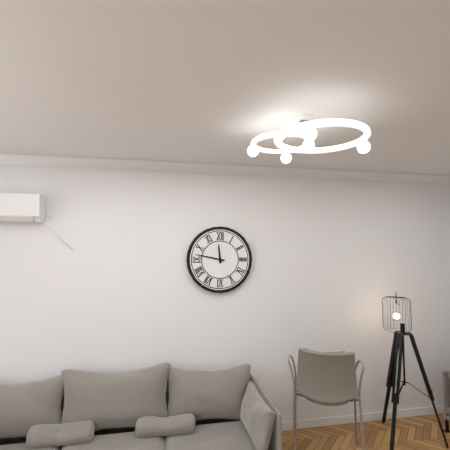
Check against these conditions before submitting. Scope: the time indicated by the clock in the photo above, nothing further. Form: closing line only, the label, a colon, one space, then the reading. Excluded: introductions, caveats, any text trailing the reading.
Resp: 11:47
